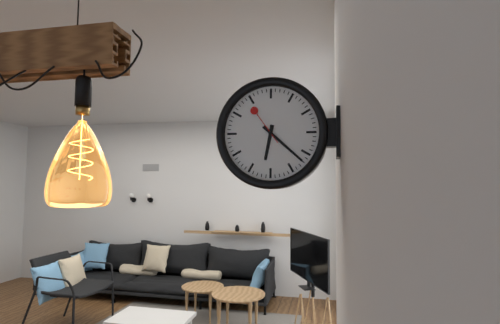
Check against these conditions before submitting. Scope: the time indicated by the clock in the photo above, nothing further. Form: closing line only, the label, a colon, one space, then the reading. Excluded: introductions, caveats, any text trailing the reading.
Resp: 6:22
